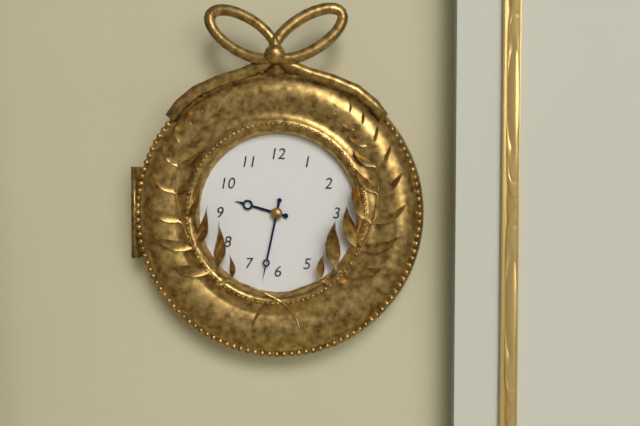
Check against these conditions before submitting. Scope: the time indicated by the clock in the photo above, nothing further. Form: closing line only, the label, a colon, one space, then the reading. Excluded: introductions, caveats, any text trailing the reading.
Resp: 9:32
